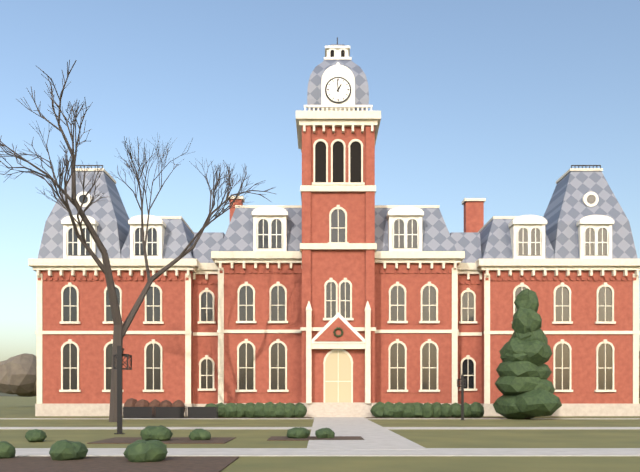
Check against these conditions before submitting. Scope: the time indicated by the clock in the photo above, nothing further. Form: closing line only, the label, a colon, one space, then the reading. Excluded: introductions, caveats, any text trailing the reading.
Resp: 12:59
